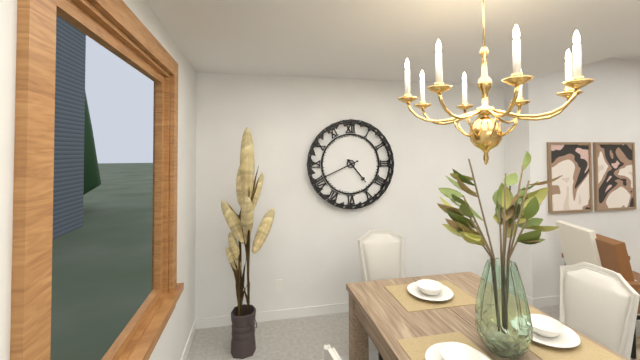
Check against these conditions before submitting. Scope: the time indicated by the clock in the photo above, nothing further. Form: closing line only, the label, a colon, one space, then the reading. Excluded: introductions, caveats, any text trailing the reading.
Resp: 4:41
